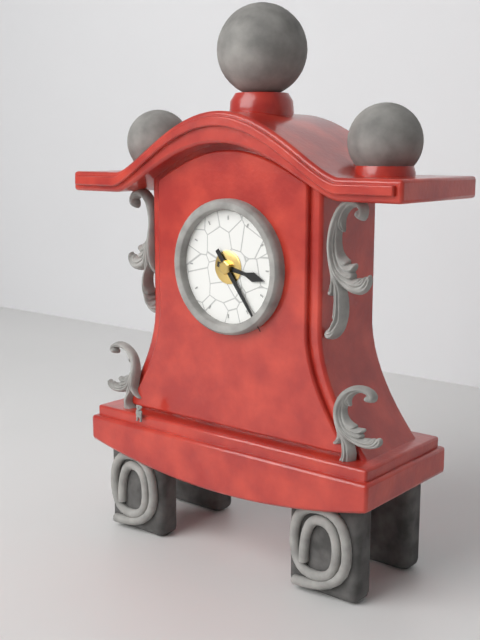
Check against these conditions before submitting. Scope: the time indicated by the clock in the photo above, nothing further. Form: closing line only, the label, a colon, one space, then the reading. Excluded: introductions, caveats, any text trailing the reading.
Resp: 3:24
